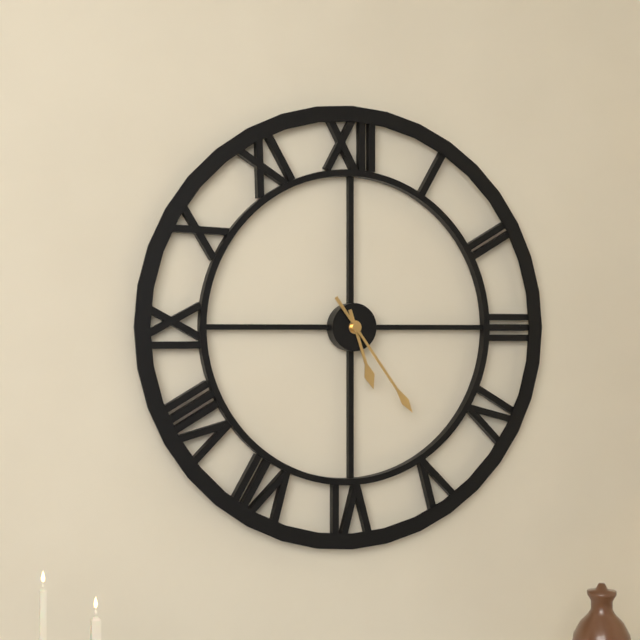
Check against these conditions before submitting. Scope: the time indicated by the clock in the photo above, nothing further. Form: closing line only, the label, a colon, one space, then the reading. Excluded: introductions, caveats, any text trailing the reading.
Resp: 5:24
